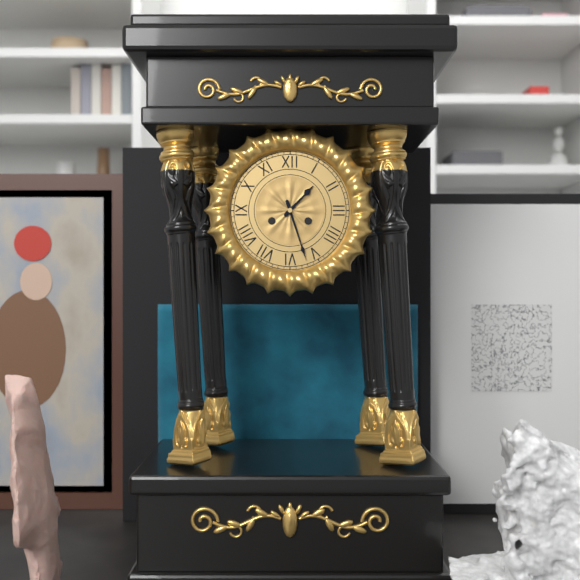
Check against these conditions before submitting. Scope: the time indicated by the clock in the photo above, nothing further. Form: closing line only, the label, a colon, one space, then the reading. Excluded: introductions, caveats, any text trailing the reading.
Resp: 1:27
